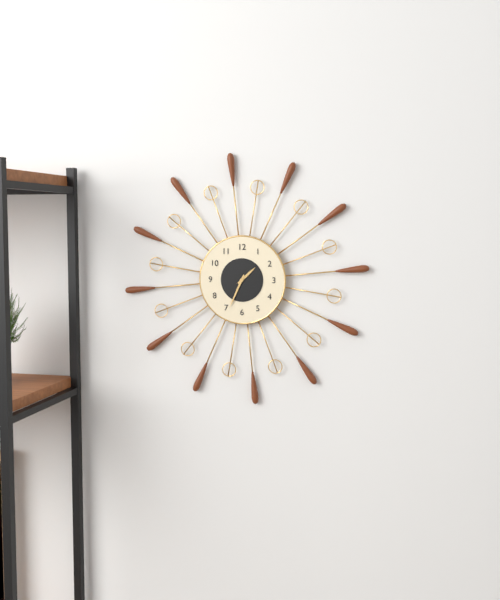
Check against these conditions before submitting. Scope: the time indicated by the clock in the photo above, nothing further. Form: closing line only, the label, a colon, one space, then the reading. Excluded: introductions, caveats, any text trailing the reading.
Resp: 1:34
